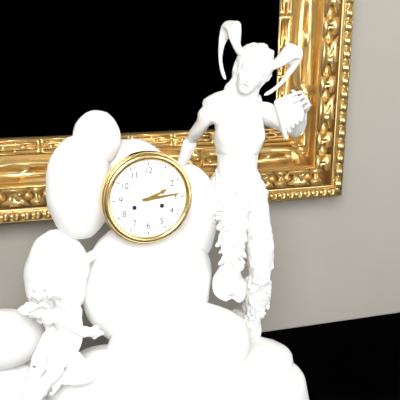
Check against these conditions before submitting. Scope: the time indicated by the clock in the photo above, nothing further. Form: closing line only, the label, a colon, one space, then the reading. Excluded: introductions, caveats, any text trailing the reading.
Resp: 2:14
